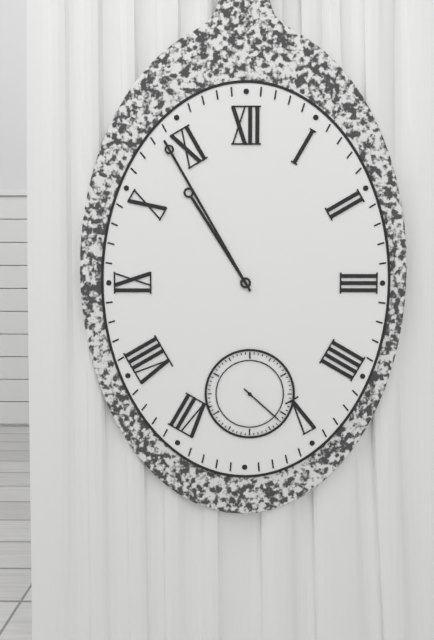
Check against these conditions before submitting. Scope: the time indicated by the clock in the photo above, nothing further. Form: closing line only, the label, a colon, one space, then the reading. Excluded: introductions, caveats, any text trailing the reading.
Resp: 10:55
